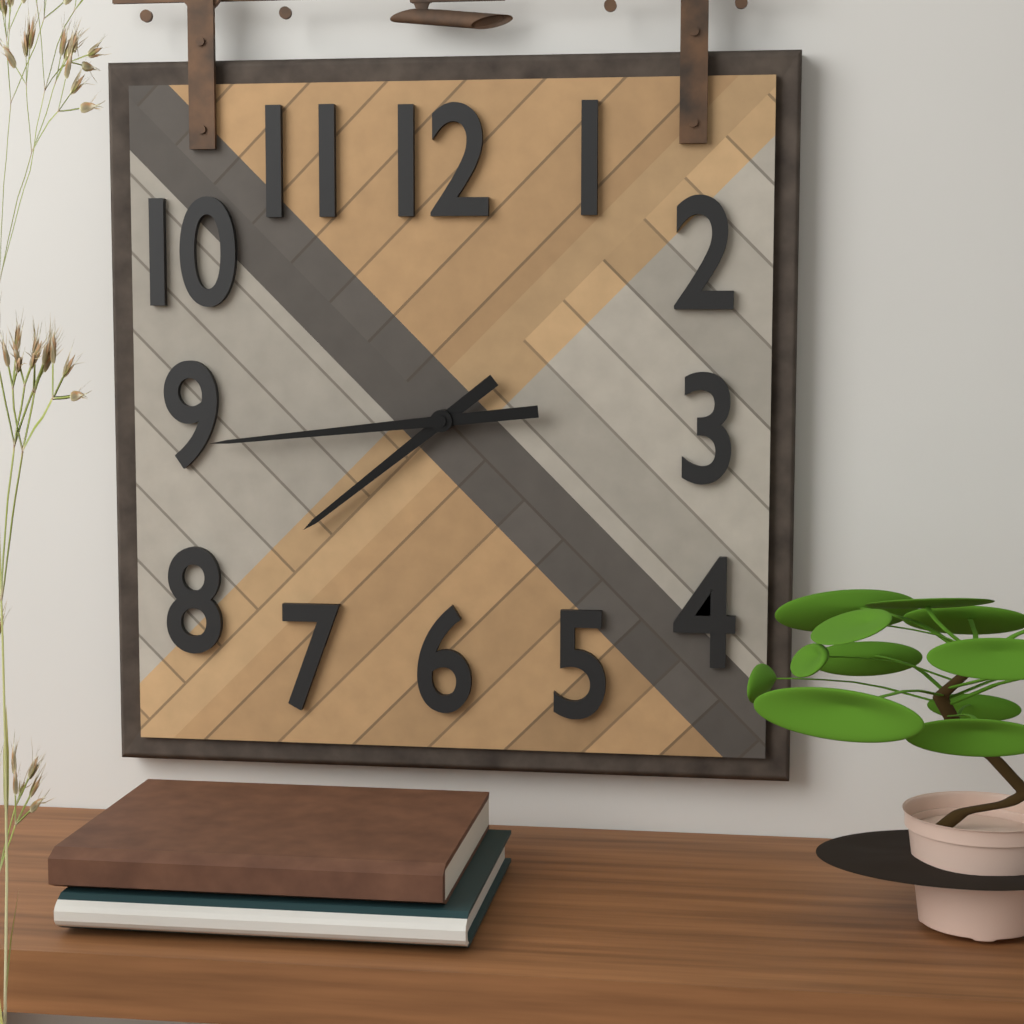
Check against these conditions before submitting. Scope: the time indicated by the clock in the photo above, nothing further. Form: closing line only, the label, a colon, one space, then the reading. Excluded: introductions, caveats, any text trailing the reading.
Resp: 7:44
